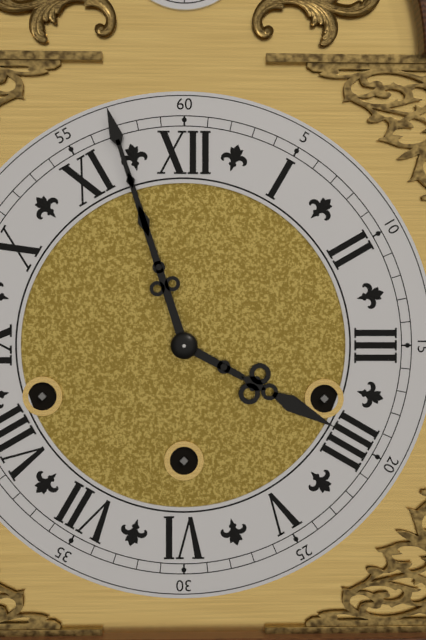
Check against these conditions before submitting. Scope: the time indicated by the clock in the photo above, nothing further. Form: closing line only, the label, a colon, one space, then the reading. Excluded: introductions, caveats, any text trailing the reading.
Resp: 3:57
